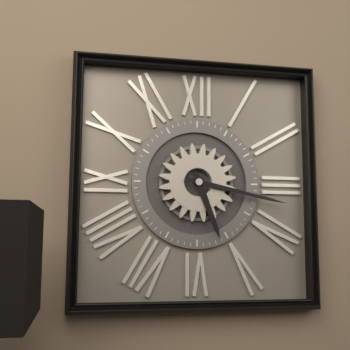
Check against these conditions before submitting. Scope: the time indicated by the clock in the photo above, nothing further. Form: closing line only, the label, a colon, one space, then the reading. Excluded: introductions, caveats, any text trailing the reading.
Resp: 5:17
